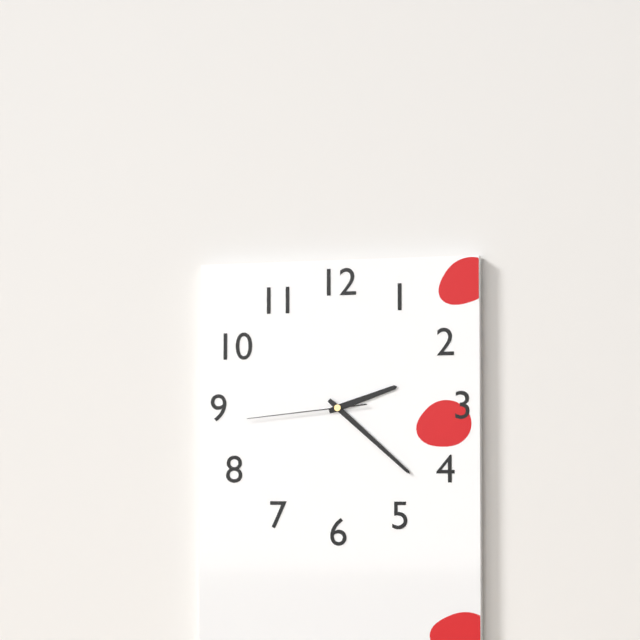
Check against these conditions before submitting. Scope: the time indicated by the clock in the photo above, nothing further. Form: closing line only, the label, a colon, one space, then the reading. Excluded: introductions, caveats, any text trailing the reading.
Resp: 2:22:44
